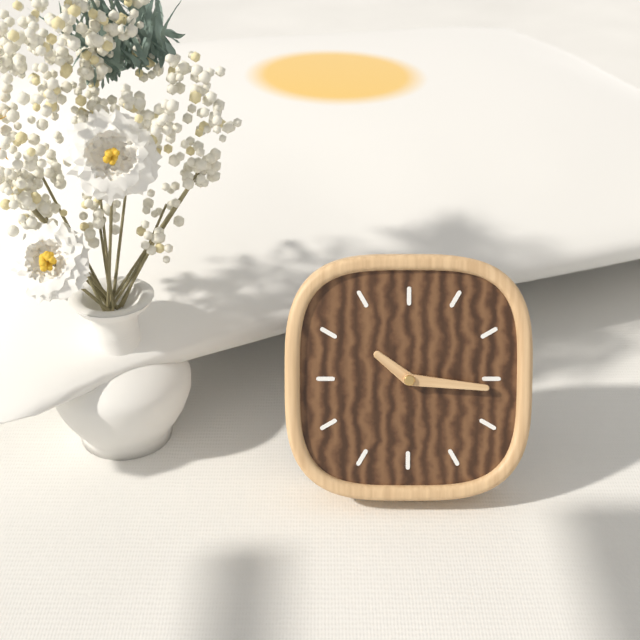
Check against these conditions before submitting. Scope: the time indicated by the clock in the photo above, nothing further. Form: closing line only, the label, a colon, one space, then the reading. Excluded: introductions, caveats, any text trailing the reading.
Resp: 10:16
